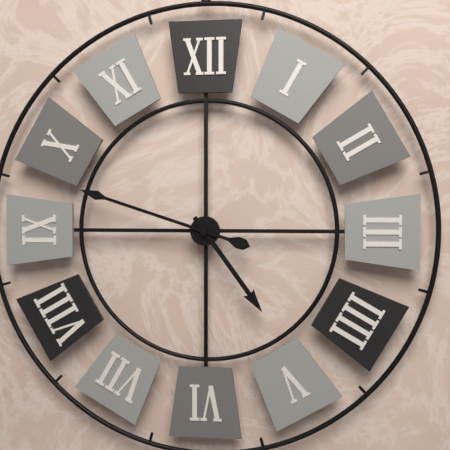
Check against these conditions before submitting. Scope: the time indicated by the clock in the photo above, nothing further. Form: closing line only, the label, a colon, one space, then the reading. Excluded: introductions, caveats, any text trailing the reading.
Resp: 4:48
